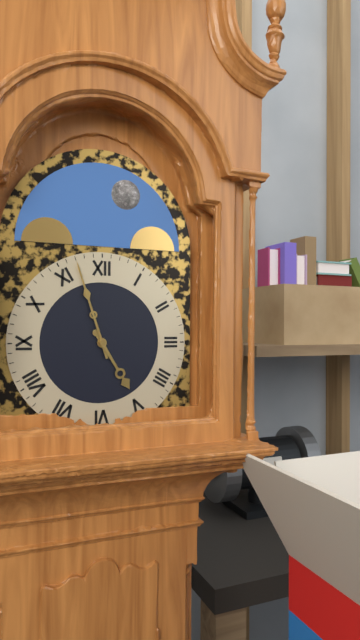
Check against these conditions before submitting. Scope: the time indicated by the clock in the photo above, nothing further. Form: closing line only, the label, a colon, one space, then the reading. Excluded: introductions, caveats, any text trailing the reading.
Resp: 4:57
